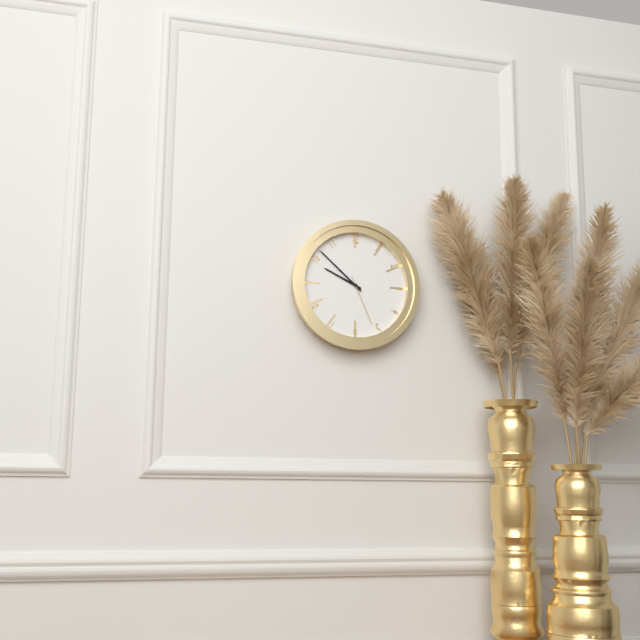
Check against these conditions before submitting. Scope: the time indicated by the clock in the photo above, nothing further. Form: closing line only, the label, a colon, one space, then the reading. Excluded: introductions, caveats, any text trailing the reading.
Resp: 9:52:26
